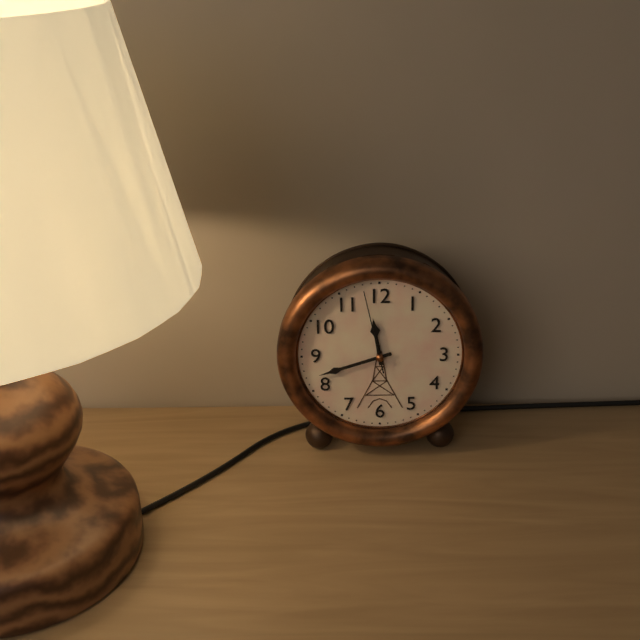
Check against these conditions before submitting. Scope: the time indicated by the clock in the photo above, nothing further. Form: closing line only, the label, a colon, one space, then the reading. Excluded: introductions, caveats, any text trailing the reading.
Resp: 11:42:58
